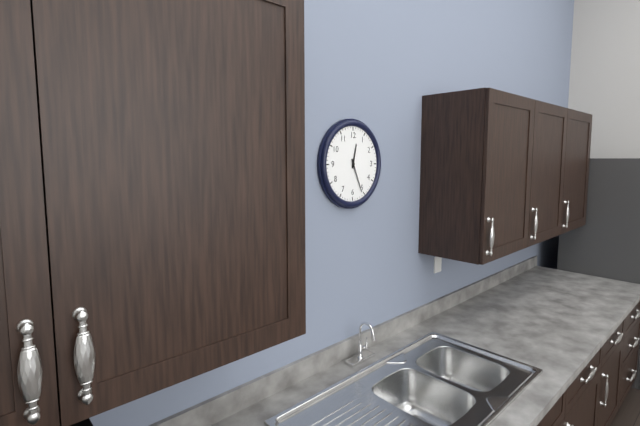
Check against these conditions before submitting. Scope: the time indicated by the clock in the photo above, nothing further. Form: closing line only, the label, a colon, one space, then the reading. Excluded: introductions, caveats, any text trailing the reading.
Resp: 12:26
